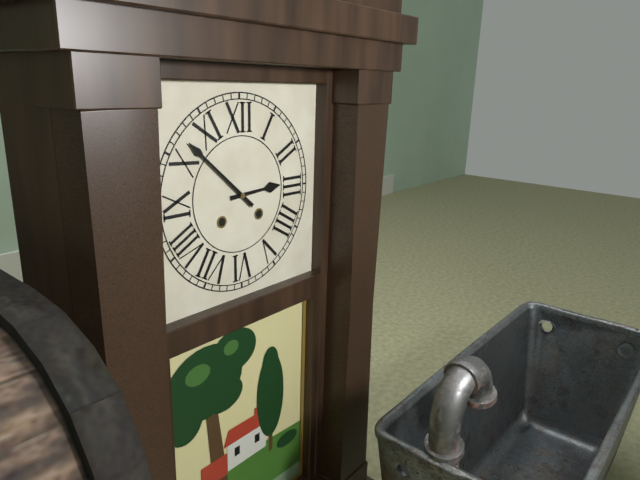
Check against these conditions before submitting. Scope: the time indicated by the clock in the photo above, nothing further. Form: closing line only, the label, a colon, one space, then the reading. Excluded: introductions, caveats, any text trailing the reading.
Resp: 2:52
